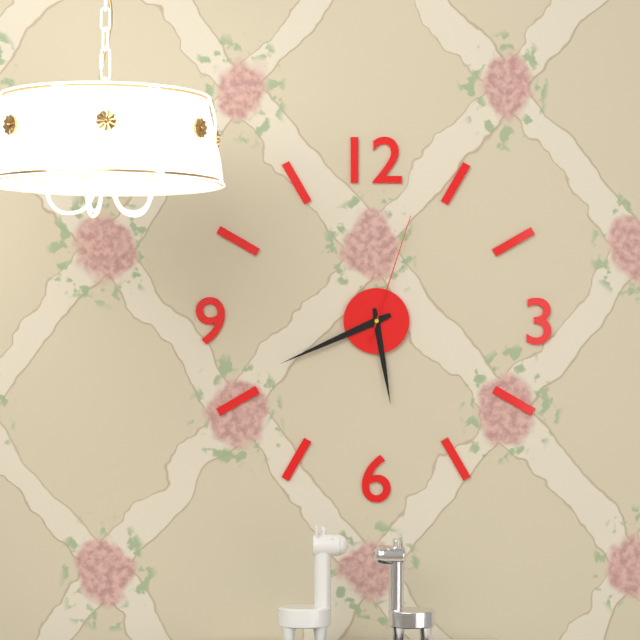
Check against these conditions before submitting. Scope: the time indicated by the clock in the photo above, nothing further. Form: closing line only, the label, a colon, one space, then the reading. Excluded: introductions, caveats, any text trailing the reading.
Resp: 5:41:03
